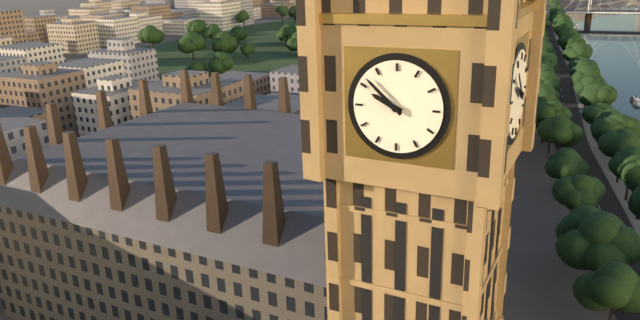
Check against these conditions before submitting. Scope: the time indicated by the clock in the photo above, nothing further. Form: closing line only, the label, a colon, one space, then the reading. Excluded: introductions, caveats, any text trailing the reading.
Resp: 9:52
